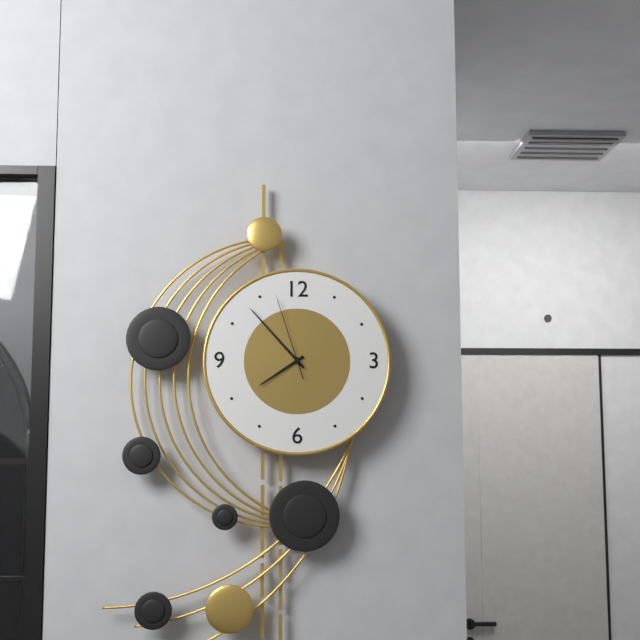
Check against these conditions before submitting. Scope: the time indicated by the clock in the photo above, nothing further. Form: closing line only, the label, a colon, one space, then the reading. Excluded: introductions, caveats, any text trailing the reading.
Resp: 7:53:57
